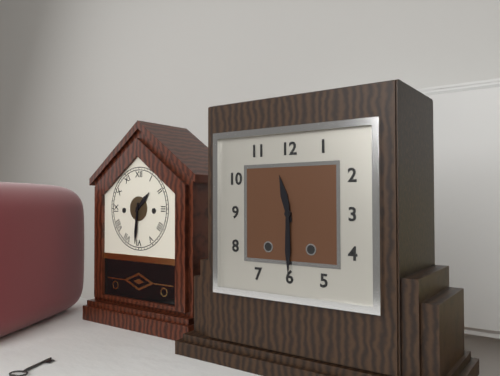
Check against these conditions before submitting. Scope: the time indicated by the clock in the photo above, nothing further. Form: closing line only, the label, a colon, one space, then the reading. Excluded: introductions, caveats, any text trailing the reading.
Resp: 11:30
